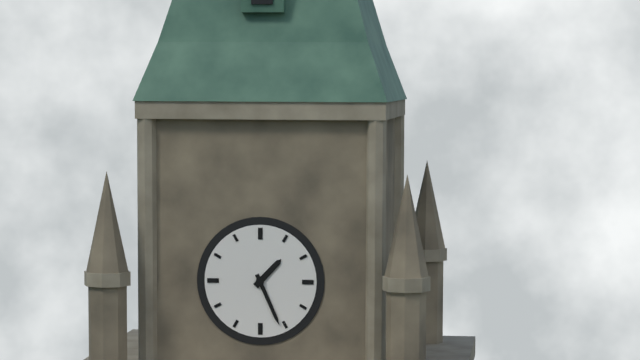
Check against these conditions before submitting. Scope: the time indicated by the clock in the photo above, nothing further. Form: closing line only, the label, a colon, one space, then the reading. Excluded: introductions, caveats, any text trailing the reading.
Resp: 1:26
